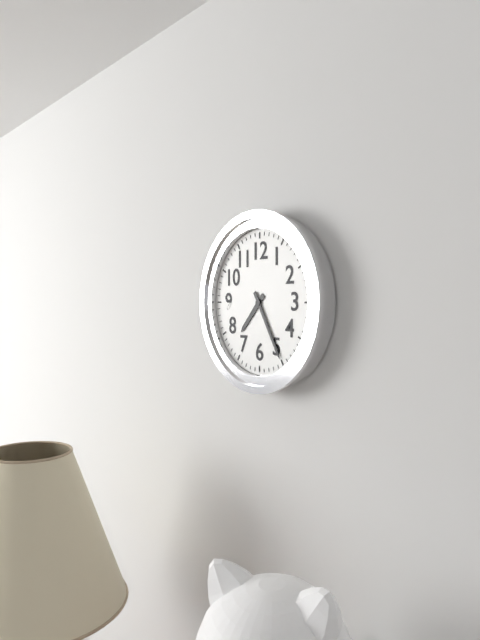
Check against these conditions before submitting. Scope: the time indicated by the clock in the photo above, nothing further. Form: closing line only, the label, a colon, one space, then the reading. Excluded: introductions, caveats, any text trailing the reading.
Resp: 7:25
